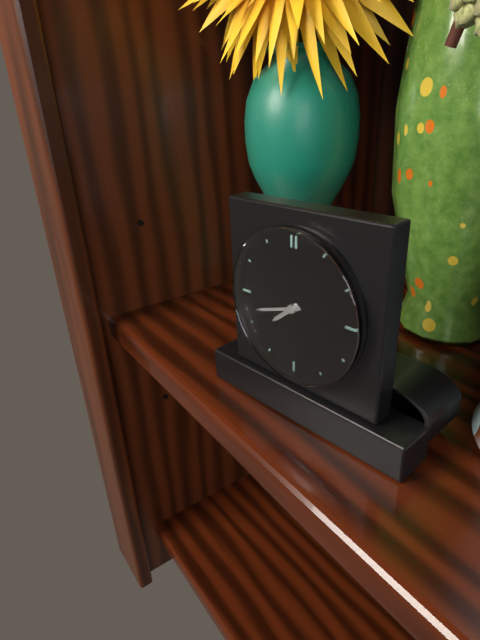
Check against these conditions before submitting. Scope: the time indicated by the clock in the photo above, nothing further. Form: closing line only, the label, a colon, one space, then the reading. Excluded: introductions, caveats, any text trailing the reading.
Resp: 7:42
